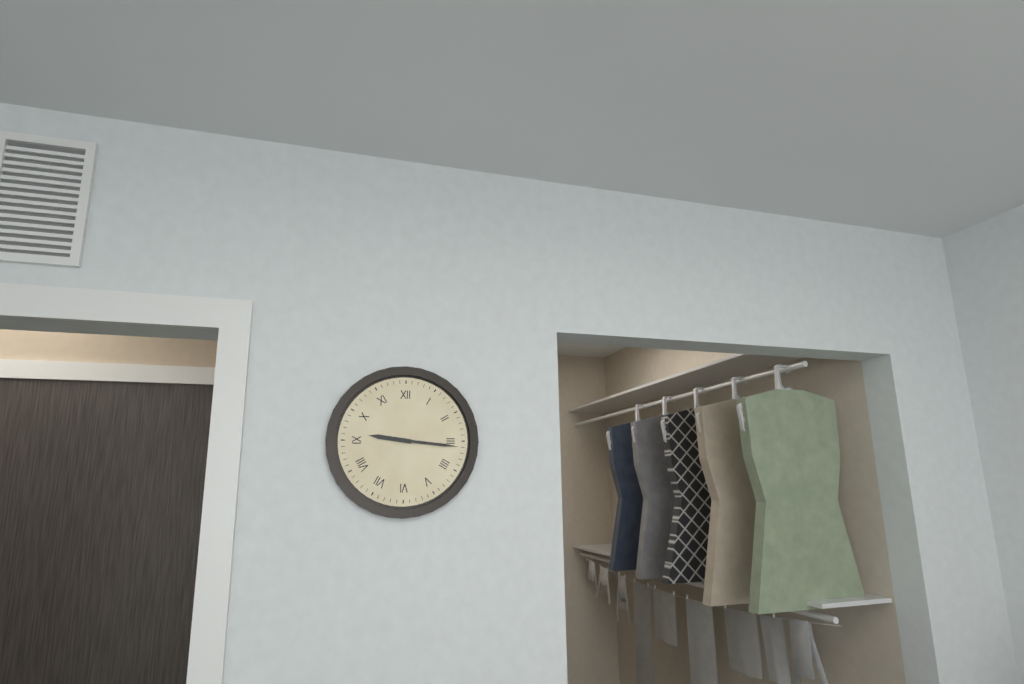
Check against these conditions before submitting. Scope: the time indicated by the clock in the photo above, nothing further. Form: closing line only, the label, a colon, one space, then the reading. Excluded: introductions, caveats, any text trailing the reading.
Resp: 9:16
